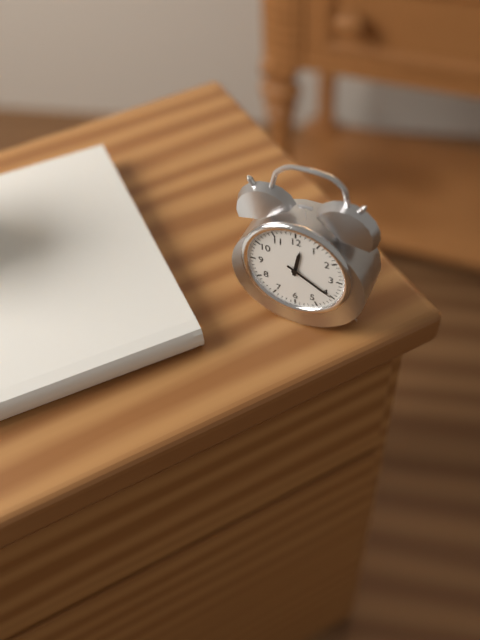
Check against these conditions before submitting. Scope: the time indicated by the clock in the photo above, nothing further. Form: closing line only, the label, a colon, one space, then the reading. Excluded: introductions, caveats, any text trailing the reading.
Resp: 12:20
